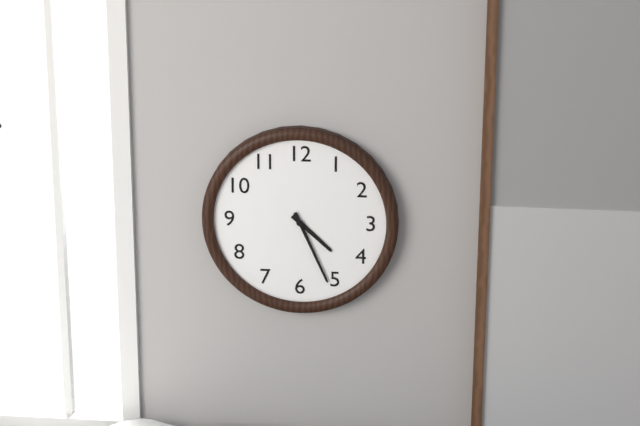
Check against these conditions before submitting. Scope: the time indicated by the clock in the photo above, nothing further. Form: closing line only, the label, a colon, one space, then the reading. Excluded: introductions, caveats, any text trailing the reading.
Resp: 4:26
